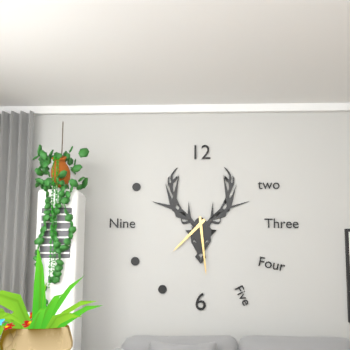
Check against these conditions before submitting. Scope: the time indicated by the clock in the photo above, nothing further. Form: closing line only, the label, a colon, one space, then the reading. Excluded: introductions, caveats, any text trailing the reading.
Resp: 7:29
